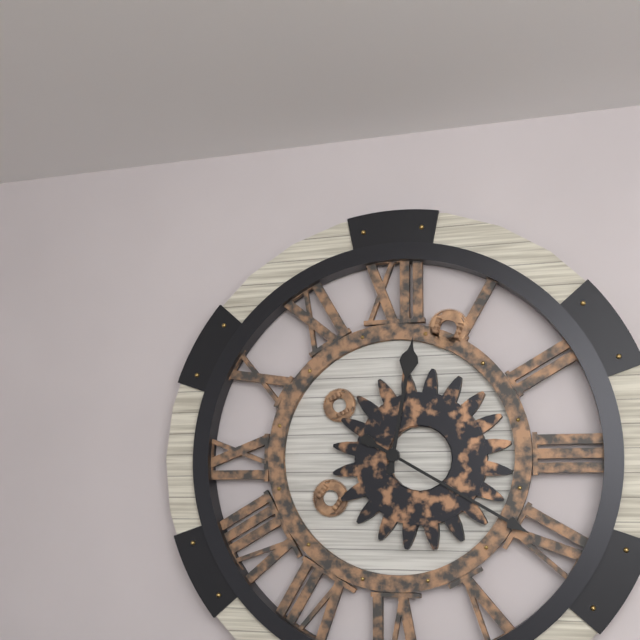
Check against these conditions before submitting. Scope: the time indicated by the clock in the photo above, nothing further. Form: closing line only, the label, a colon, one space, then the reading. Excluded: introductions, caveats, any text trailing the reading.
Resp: 12:20
